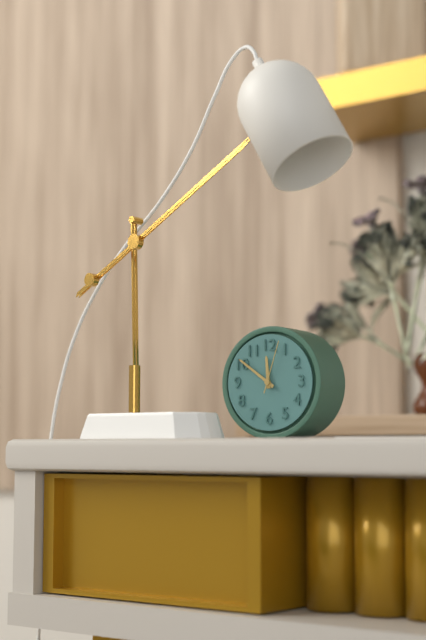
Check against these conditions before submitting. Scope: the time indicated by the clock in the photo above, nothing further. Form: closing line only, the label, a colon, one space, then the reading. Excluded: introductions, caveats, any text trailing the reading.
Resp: 11:51:03
